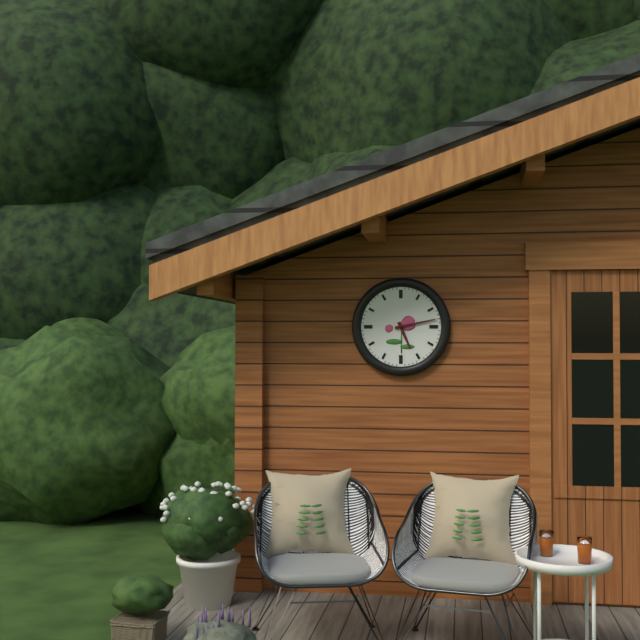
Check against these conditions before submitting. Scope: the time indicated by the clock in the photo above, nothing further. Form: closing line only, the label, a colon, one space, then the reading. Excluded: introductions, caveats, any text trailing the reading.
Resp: 5:13
